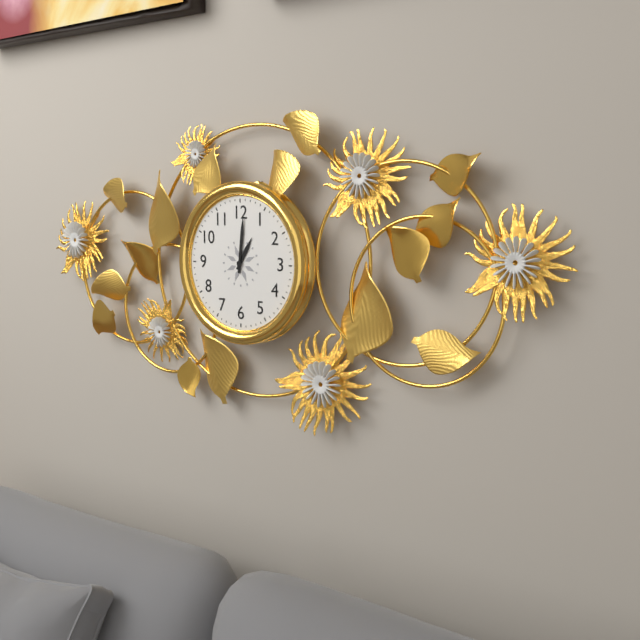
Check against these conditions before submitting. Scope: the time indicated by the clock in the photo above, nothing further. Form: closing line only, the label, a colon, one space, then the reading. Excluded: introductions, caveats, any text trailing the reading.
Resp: 1:01
